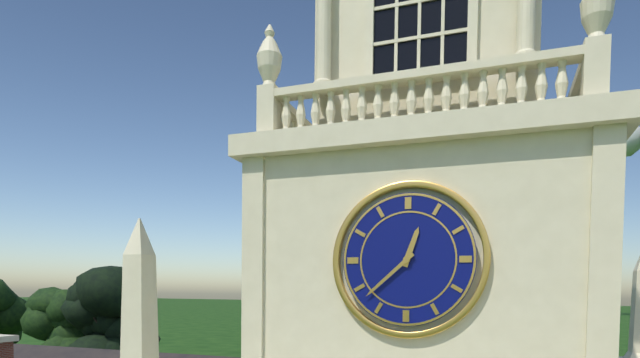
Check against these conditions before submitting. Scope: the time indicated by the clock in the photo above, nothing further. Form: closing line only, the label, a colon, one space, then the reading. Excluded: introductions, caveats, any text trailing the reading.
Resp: 12:38
